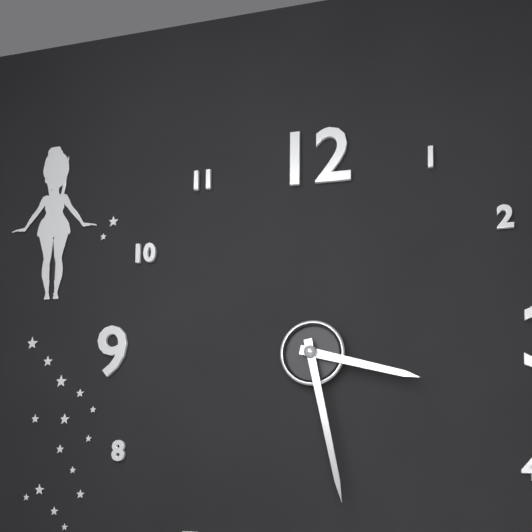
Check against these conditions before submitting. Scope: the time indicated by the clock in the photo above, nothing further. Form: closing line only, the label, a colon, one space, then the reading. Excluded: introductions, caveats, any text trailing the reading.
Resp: 3:28
